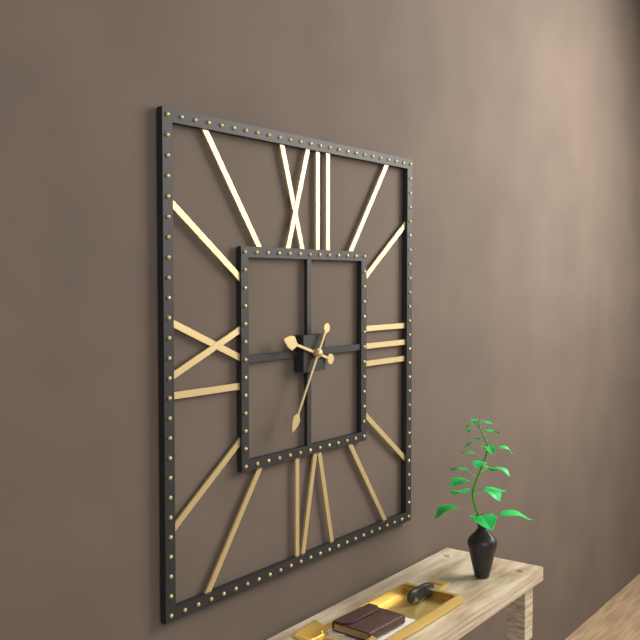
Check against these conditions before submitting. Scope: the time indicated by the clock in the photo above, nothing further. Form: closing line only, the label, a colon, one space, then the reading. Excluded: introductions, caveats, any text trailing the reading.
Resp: 9:35
